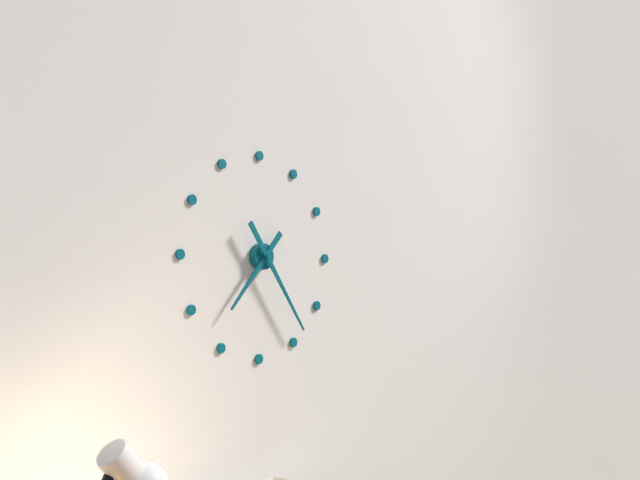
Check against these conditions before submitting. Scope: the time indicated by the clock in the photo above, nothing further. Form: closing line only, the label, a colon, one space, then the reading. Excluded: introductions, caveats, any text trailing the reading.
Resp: 7:24
